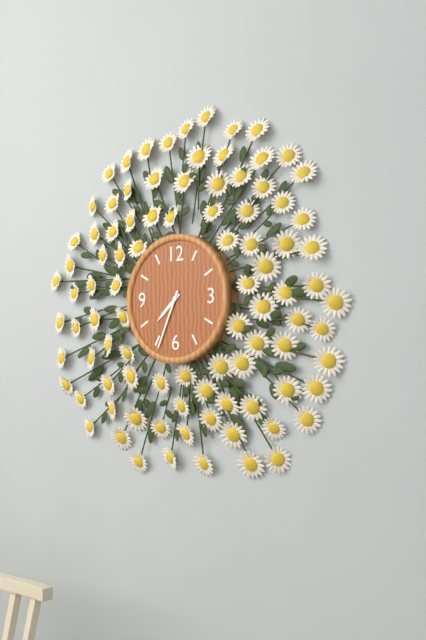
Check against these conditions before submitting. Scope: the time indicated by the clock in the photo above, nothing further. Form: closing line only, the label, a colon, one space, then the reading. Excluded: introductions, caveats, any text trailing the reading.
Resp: 7:34
